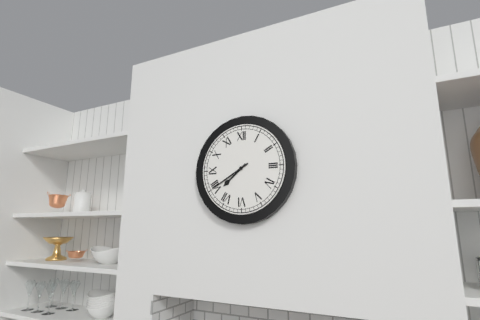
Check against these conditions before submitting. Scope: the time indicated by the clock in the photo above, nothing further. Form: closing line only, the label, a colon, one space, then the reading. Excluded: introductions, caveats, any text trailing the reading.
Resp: 7:40
